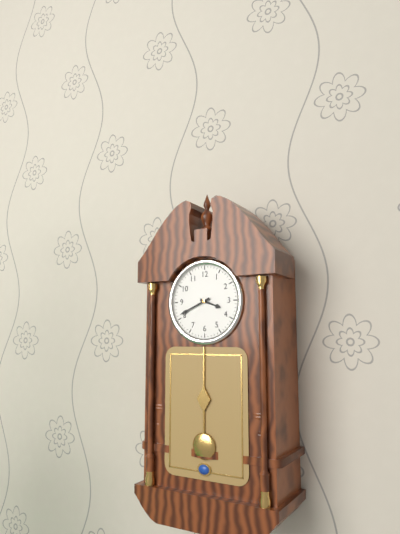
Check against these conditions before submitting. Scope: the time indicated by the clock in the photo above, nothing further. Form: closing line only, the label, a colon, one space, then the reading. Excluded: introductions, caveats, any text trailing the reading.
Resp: 3:41
